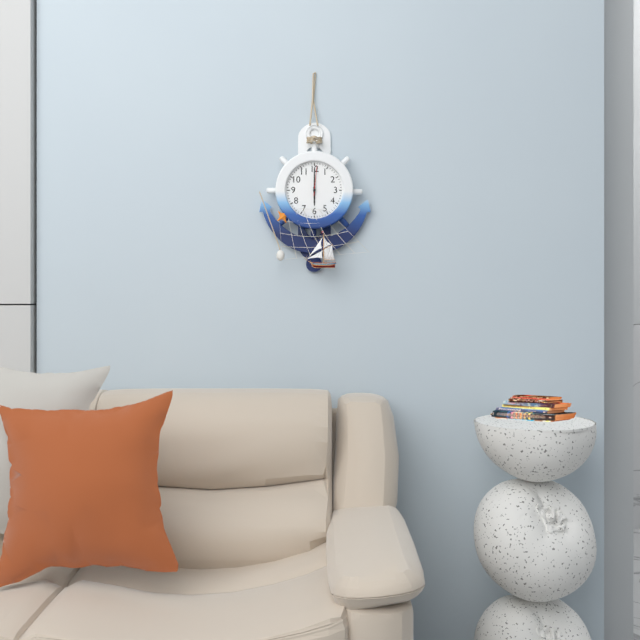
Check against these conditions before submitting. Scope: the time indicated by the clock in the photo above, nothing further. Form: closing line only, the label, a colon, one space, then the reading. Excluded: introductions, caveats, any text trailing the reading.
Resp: 6:00
